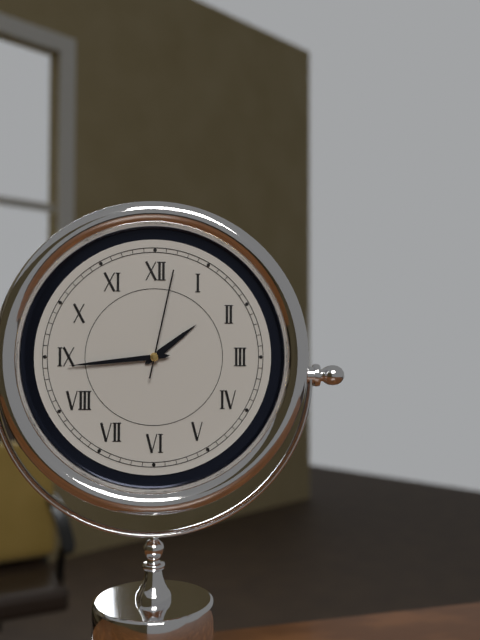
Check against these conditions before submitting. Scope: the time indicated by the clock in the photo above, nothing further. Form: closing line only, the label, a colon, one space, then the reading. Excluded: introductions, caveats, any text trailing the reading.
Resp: 1:44:02
